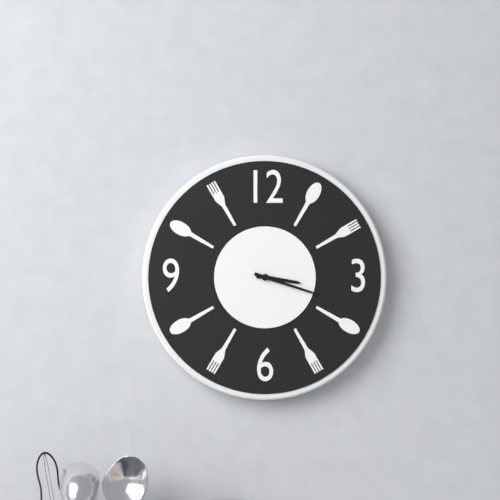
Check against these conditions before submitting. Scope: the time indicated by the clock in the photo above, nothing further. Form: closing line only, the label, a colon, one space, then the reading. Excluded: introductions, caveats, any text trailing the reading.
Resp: 3:18
